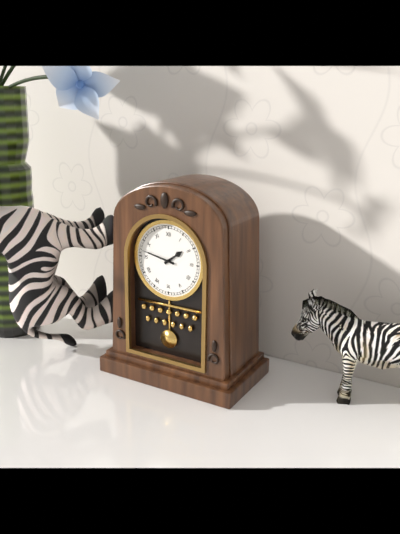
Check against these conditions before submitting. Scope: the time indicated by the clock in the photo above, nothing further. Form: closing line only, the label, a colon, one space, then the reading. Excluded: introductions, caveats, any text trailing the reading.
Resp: 1:47
